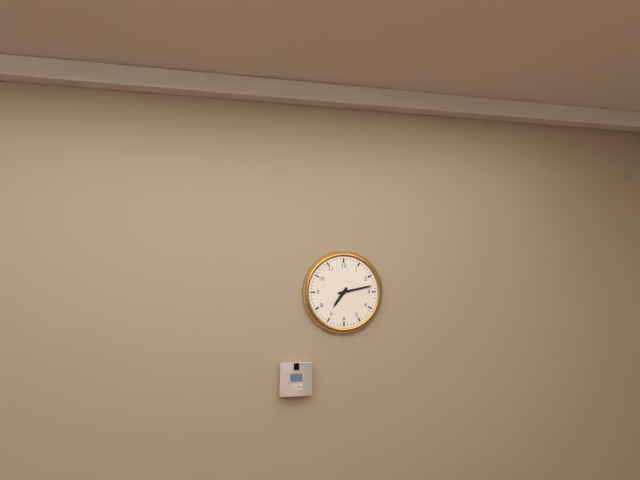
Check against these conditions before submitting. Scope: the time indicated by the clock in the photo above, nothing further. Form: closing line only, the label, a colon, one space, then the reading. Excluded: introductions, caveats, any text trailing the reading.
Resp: 7:13
